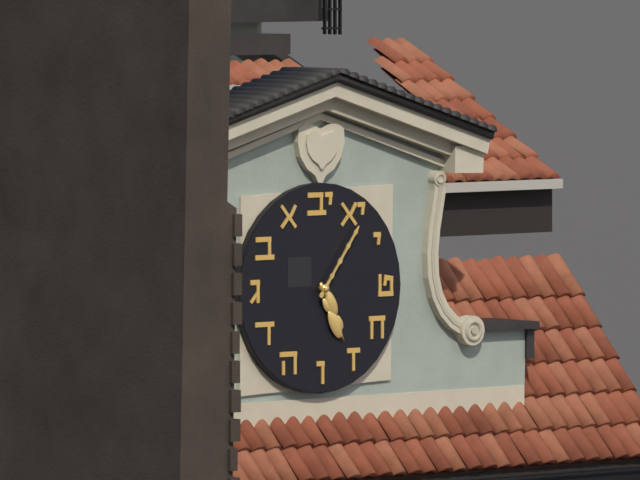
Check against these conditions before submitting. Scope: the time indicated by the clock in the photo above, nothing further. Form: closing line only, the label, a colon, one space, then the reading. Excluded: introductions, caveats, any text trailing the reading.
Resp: 5:06
